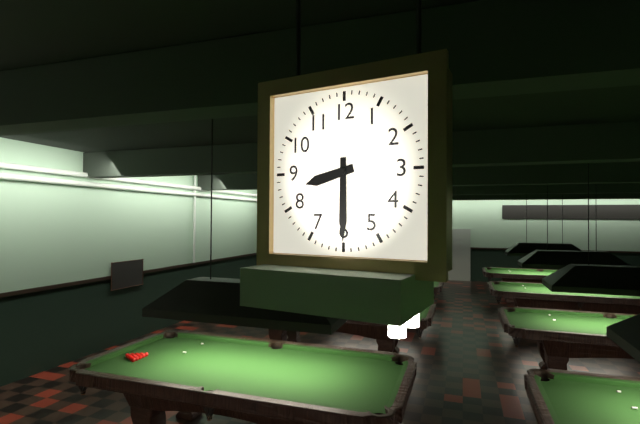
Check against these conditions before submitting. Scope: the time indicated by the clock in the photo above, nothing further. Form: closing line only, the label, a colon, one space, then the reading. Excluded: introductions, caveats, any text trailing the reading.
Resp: 8:30
